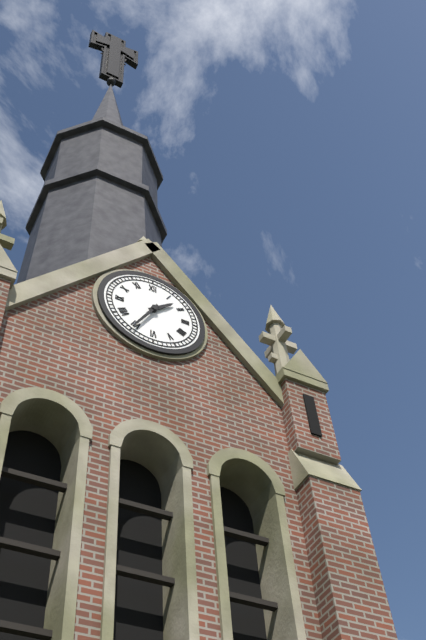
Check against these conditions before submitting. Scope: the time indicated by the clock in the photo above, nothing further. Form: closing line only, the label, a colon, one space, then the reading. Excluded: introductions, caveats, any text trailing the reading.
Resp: 1:35
